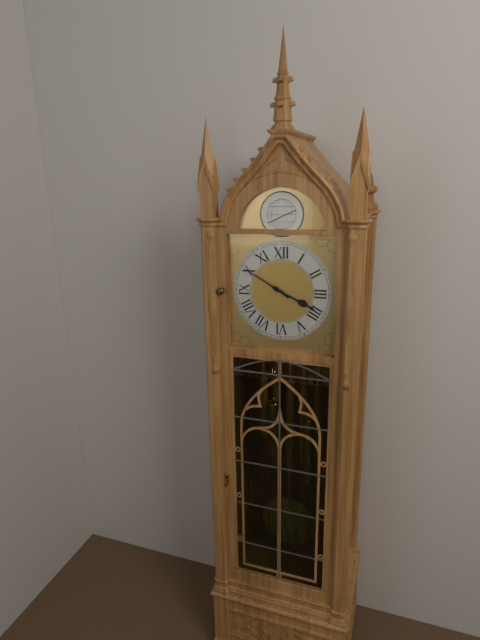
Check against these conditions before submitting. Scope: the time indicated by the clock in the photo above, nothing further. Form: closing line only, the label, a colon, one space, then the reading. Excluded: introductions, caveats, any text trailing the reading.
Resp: 3:50
